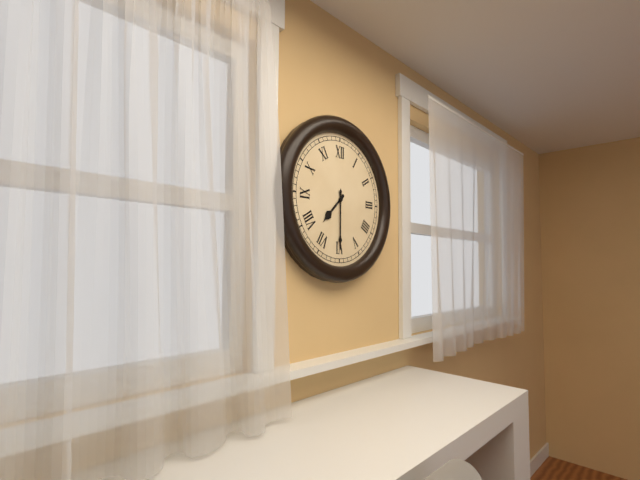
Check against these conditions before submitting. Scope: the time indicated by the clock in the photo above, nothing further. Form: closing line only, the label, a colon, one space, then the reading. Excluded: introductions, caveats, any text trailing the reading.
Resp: 7:30
